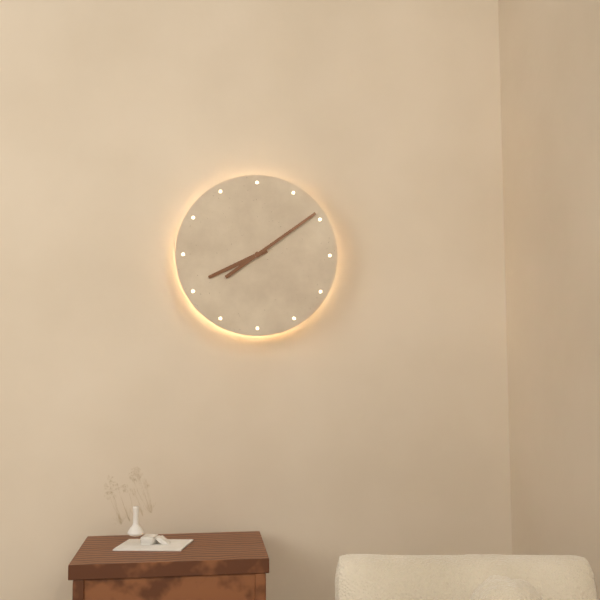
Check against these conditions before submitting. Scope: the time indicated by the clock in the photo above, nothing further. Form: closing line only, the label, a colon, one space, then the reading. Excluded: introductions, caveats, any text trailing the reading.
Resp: 8:09
